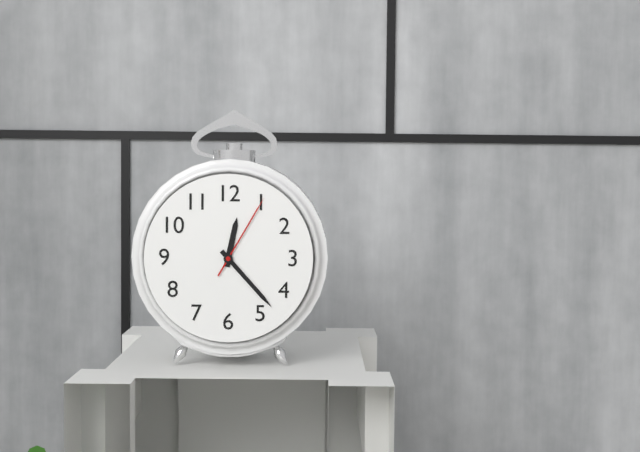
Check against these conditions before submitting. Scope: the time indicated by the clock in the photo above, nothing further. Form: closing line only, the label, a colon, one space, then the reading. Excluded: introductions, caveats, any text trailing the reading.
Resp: 12:23:05
